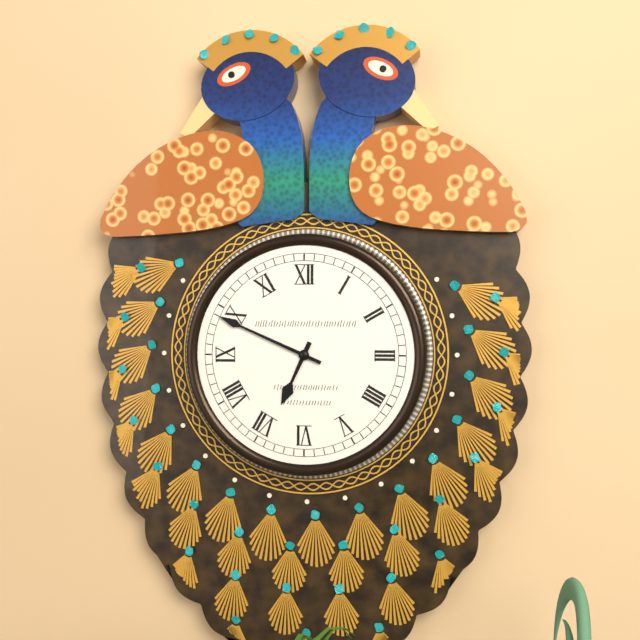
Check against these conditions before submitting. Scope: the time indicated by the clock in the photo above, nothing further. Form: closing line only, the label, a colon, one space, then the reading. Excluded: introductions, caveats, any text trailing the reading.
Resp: 6:49
